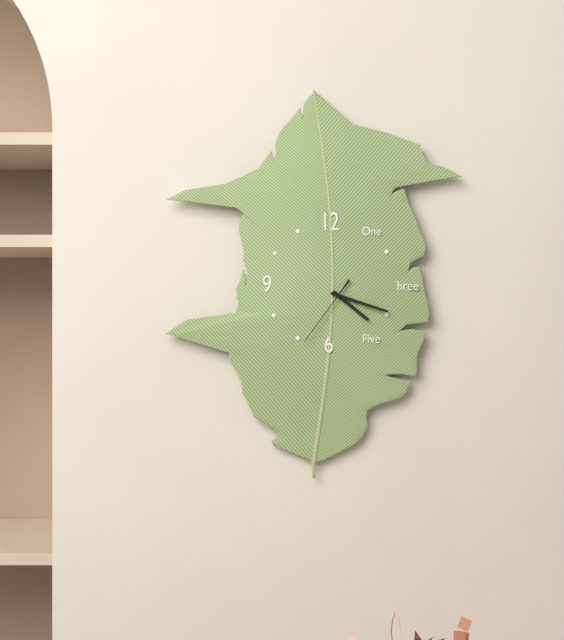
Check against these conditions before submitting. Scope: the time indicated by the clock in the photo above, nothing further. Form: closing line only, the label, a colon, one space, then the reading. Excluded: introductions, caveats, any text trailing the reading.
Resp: 4:18:36
